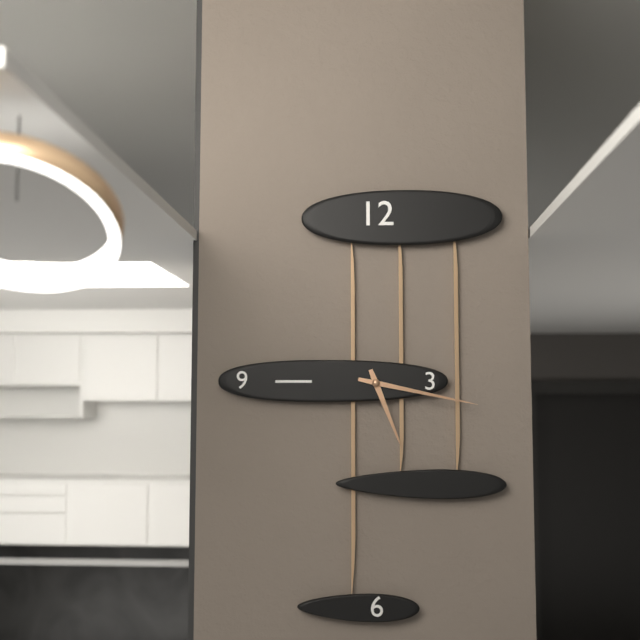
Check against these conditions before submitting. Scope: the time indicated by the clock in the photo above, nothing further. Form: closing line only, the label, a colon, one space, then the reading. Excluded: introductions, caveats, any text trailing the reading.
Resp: 5:17
